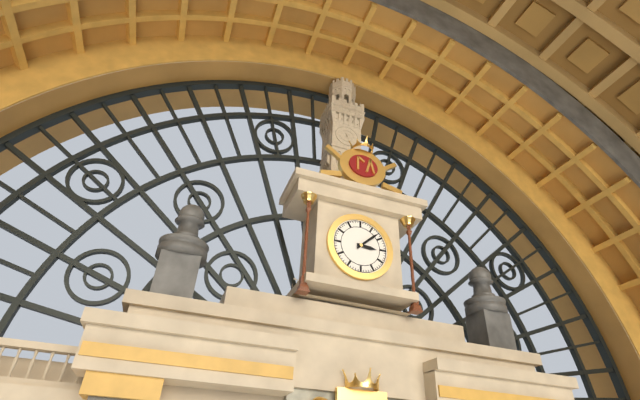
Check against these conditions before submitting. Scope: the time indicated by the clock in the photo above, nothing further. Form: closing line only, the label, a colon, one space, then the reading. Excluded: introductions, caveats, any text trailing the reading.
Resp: 3:08
